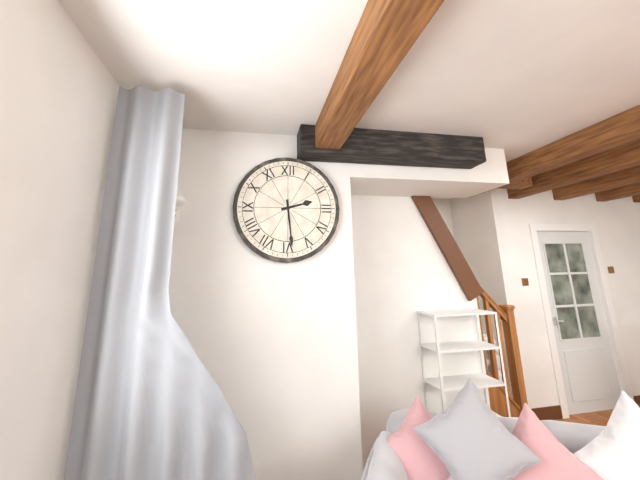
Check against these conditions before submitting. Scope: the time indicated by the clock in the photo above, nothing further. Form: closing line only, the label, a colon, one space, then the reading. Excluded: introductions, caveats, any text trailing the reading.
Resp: 2:29
